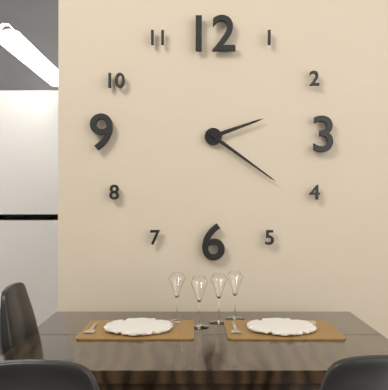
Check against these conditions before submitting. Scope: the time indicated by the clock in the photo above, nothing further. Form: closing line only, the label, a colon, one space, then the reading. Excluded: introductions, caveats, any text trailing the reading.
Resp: 2:21
